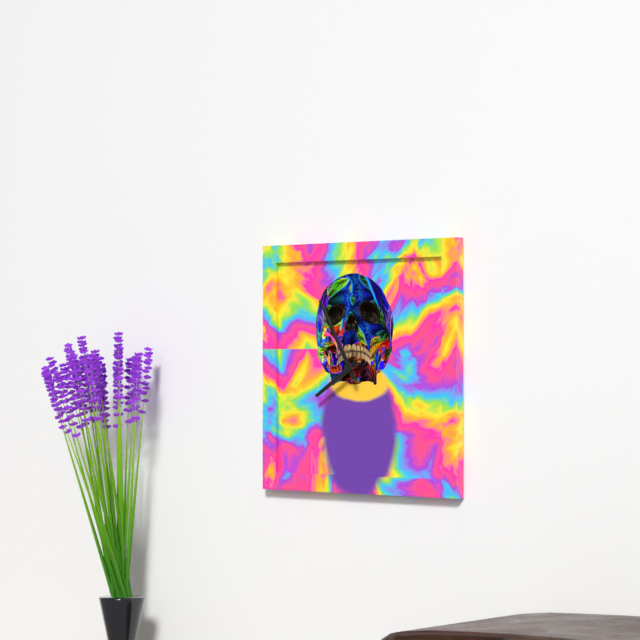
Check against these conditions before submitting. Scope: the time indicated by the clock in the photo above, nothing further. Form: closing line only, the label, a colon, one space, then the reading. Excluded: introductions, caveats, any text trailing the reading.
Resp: 7:55
